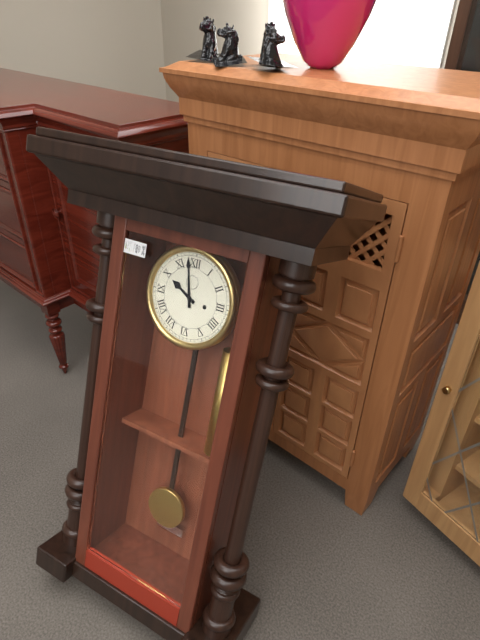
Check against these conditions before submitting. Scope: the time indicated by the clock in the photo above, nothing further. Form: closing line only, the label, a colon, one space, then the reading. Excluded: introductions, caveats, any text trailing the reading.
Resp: 9:58
